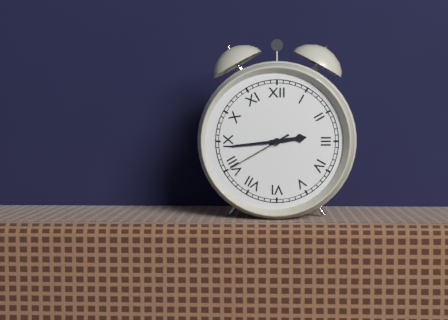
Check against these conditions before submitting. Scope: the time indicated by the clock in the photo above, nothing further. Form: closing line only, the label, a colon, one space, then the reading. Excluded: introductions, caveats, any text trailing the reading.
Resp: 2:44:40
